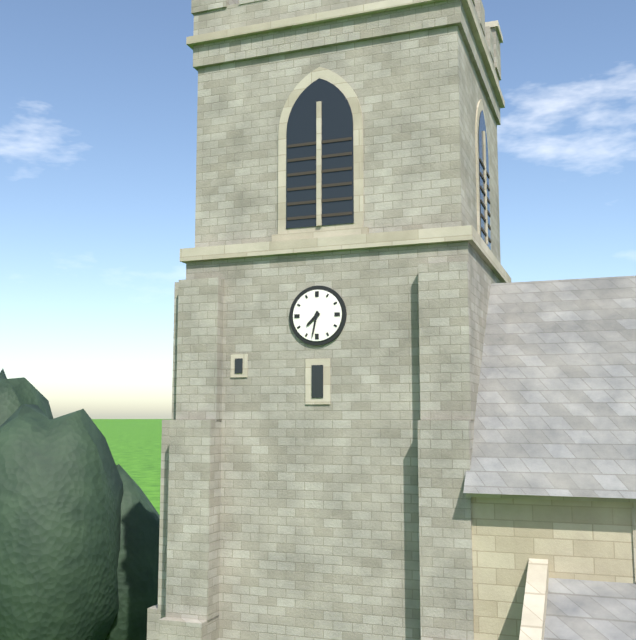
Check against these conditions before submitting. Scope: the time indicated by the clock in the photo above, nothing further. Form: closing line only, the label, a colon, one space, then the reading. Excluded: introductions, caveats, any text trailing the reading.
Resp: 7:32
